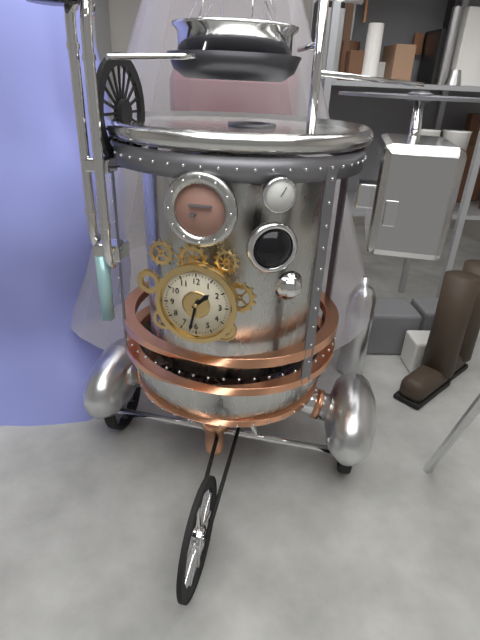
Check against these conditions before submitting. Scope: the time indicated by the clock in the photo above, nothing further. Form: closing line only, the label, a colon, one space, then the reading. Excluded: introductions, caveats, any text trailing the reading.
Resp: 1:32
